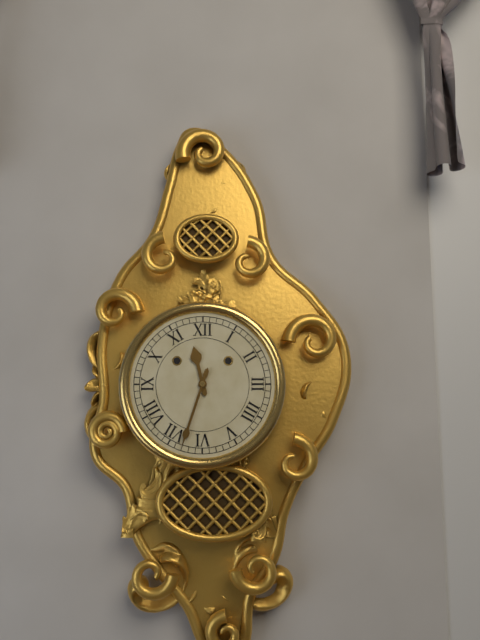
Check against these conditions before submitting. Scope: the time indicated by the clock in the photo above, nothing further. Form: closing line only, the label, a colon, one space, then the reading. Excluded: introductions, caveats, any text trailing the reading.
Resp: 11:33
